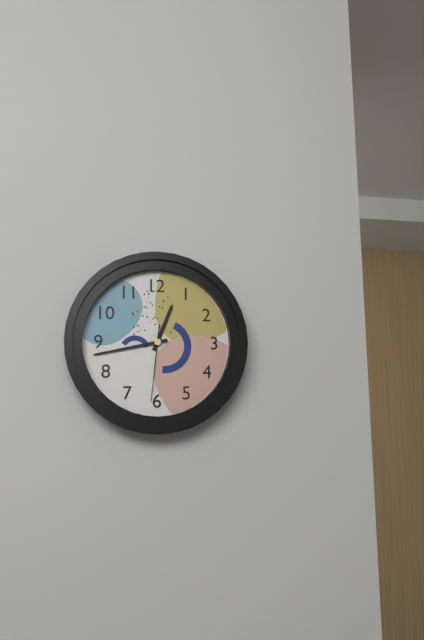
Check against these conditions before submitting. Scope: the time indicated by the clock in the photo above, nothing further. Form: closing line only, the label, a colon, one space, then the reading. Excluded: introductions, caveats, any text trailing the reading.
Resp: 12:43:31
